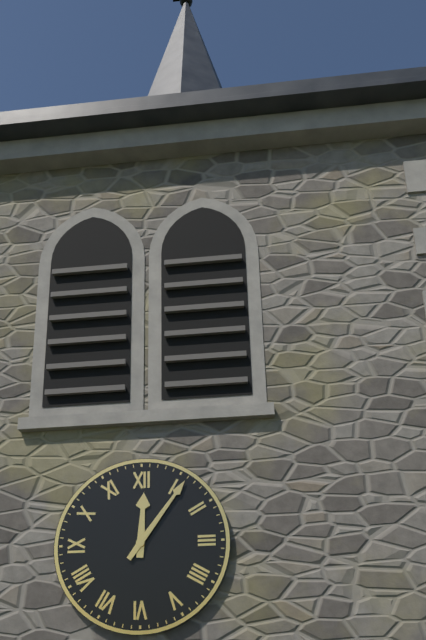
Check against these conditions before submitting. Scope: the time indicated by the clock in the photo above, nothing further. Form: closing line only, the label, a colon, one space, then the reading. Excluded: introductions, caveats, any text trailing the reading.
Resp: 12:06
